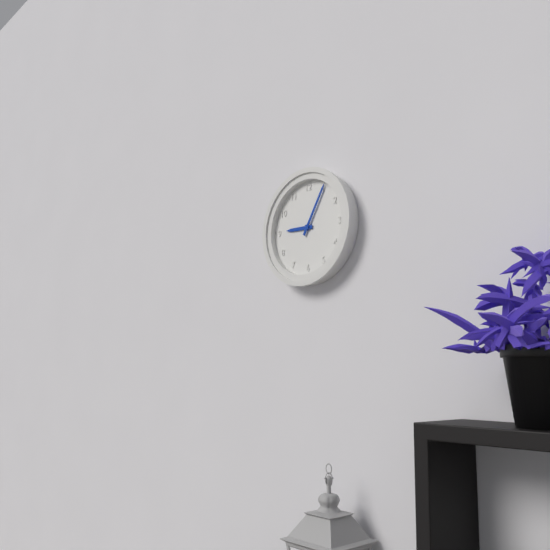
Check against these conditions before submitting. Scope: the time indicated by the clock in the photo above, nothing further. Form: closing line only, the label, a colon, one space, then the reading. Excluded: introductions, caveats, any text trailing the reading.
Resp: 9:05
